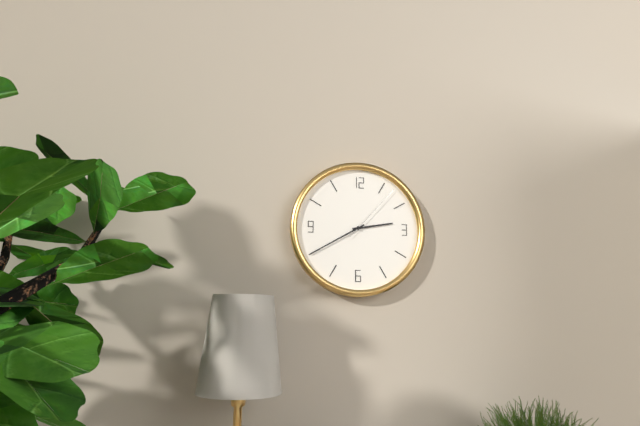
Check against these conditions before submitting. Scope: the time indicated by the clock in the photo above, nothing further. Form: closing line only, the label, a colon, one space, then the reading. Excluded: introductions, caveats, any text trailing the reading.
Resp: 2:40:07
